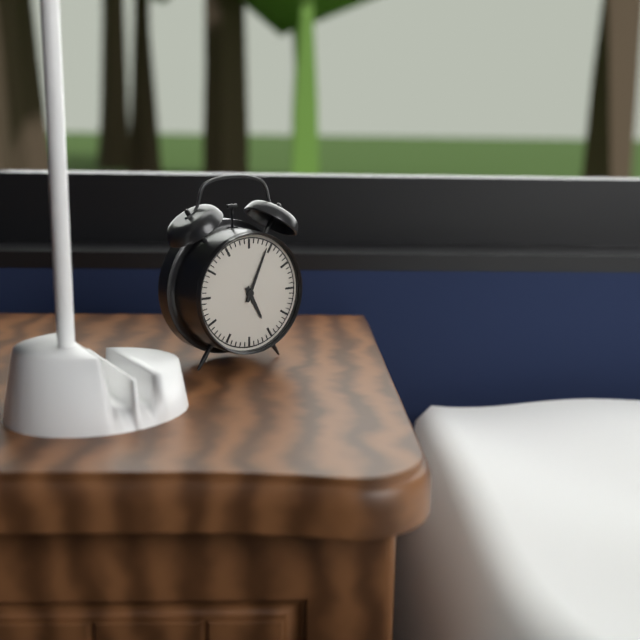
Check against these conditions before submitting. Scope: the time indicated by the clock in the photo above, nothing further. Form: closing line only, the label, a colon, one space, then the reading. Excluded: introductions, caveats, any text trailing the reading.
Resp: 5:04
